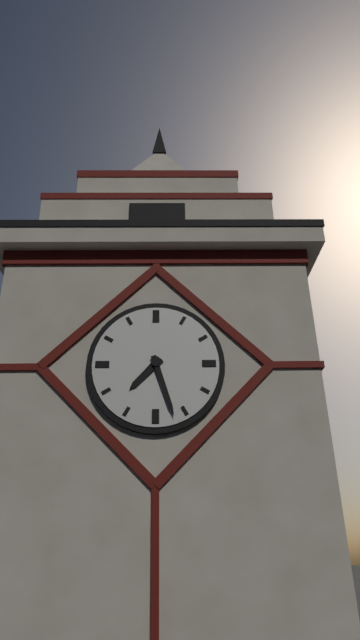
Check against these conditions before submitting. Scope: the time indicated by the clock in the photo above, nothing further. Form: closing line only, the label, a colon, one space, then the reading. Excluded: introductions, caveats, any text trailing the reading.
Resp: 7:27
